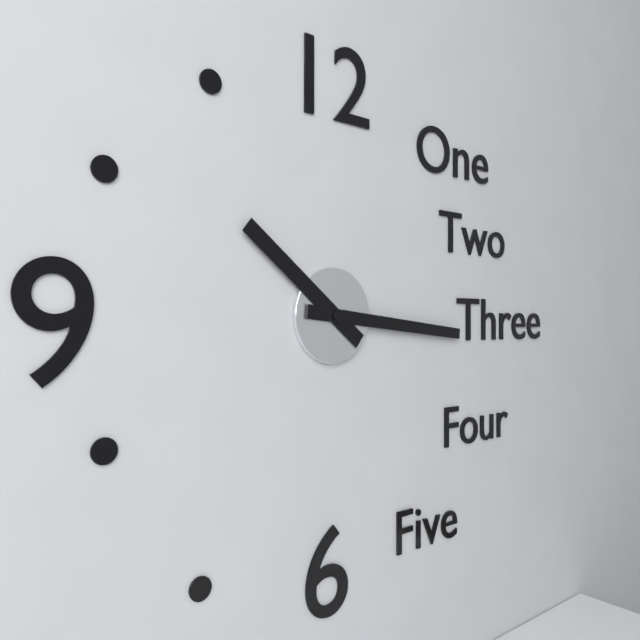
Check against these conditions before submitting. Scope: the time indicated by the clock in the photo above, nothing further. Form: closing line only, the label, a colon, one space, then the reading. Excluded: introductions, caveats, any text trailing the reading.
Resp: 10:16
